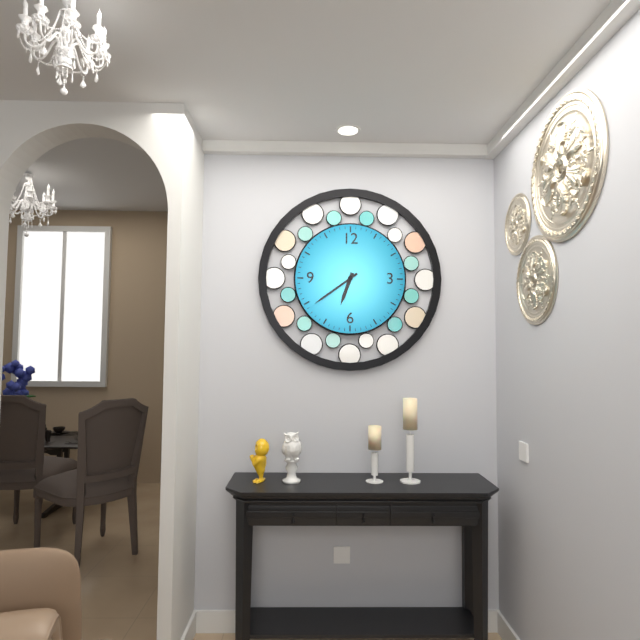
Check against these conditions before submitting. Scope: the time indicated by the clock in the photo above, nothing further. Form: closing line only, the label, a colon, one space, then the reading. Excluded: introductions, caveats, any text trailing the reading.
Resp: 6:39
